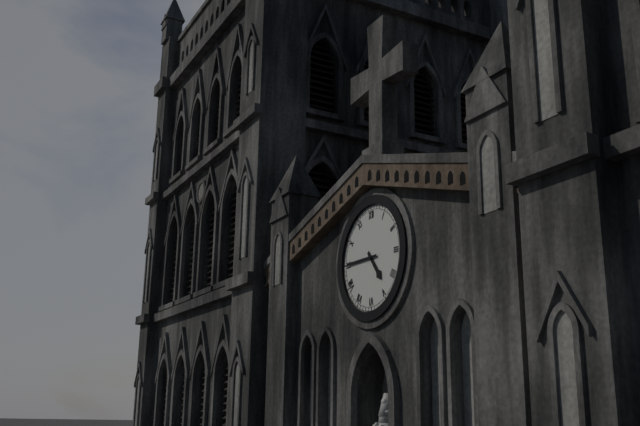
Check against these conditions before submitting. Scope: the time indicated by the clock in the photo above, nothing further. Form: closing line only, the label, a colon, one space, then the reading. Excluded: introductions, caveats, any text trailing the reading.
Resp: 4:45
